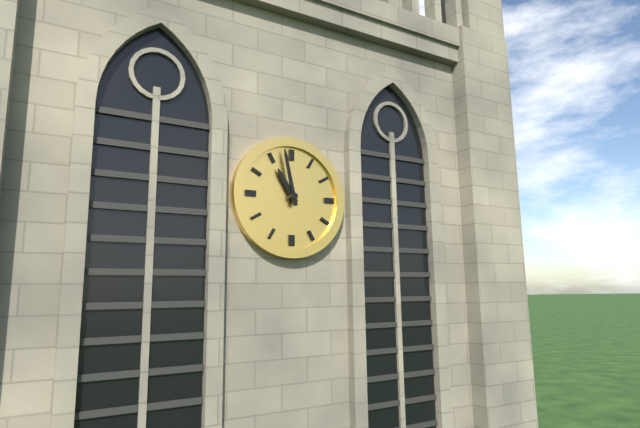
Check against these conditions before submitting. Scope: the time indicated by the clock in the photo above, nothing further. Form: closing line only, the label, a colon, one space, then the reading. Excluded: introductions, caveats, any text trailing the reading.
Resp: 10:58
